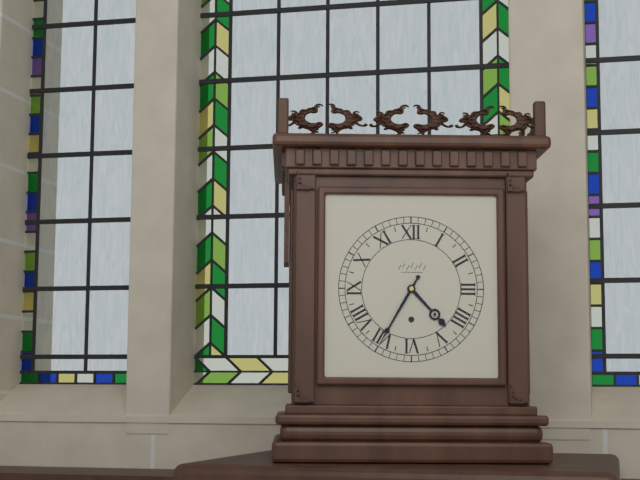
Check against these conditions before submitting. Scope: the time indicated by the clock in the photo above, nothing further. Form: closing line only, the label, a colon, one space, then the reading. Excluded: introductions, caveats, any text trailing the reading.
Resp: 4:35
